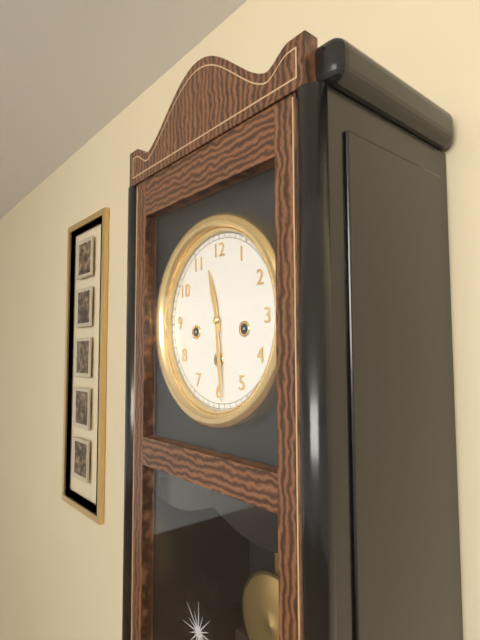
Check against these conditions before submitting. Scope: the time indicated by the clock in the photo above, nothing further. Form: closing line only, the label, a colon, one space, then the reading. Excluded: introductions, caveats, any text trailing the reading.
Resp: 11:29
